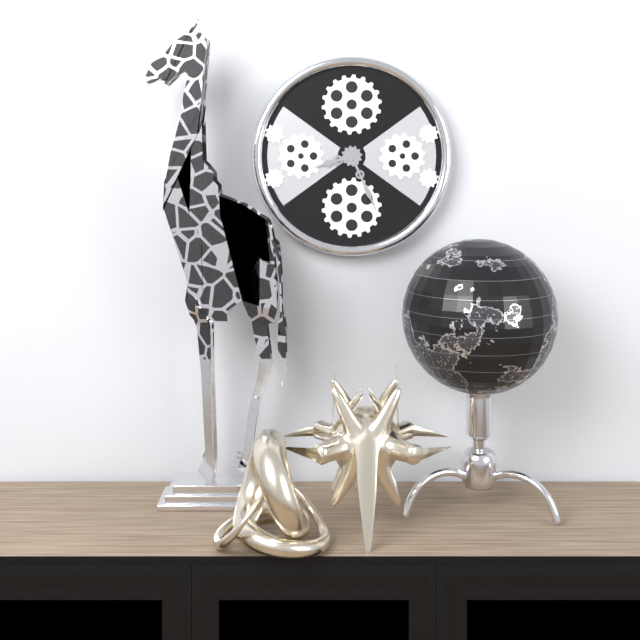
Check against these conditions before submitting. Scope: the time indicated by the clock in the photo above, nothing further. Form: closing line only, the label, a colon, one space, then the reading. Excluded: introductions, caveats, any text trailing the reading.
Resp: 8:26
